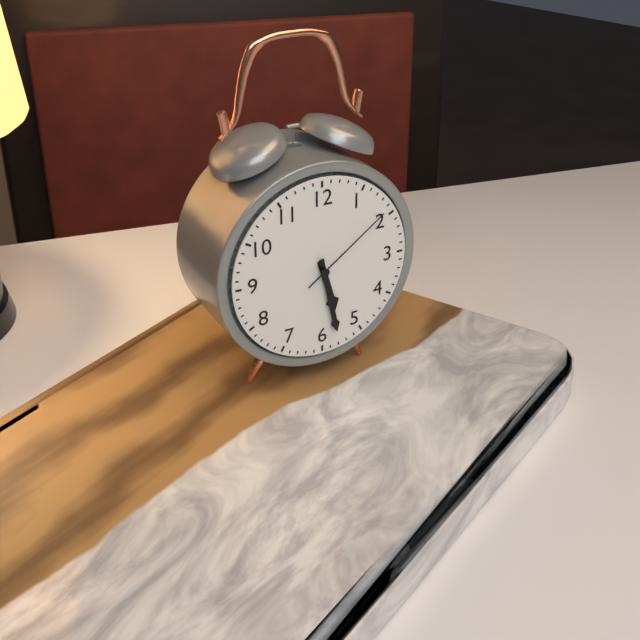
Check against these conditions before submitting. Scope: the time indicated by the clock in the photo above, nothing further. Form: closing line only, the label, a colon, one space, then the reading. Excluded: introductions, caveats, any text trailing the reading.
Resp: 5:28:09
